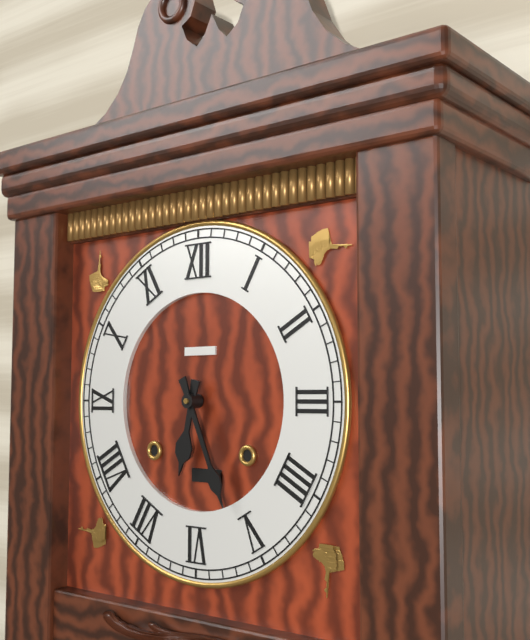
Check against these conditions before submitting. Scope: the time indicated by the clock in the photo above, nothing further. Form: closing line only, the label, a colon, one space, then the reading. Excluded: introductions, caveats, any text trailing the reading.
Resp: 6:26
